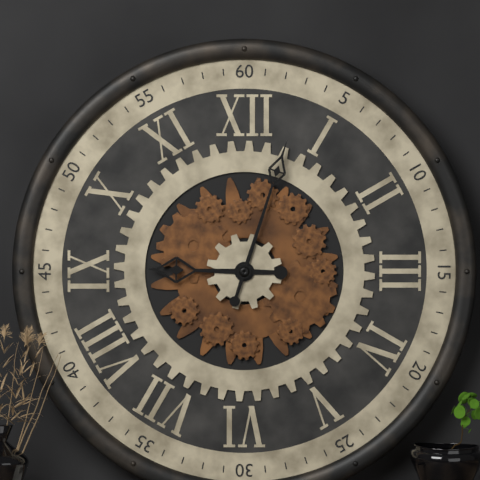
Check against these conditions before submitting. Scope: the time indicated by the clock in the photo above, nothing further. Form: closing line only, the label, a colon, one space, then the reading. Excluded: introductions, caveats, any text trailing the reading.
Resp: 9:03
